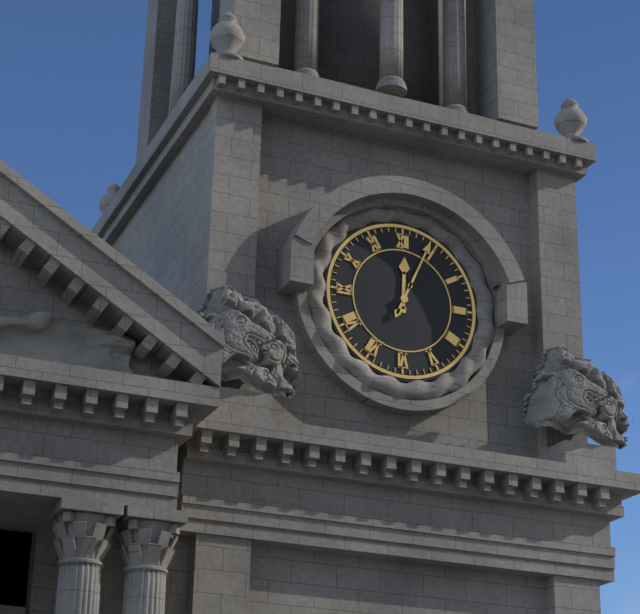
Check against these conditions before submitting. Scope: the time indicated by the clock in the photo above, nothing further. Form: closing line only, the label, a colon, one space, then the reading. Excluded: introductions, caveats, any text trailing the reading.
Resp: 12:04
